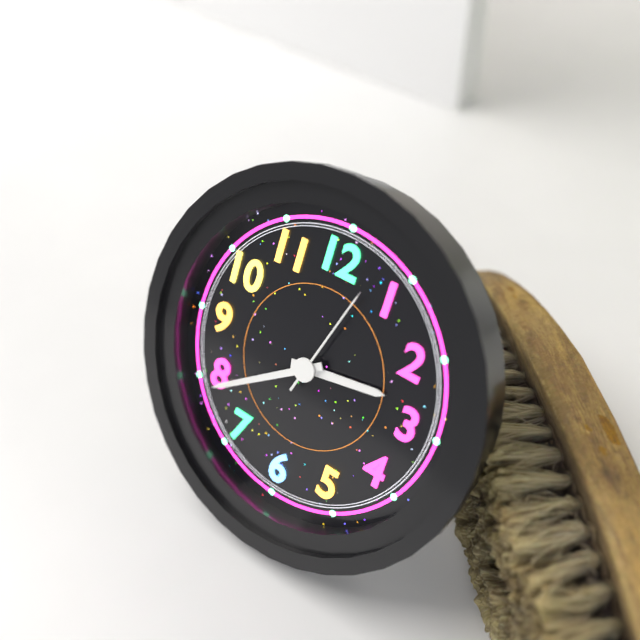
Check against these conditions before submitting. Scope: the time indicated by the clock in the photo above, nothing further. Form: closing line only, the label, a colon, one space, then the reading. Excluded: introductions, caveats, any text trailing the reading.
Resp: 2:39:03
